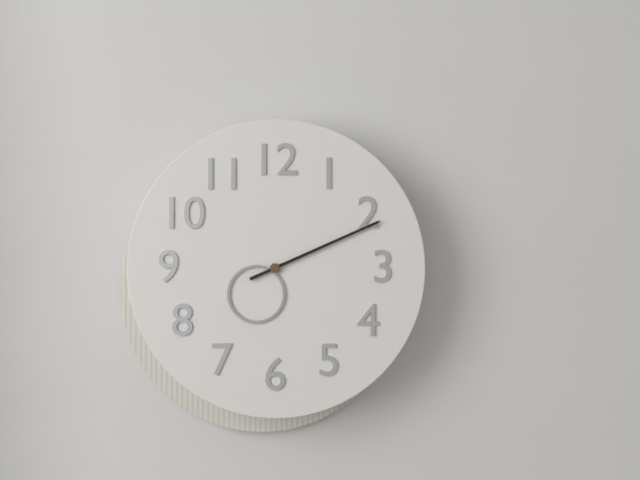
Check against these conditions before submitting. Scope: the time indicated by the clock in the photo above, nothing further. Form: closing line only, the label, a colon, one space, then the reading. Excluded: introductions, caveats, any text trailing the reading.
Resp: 7:11
